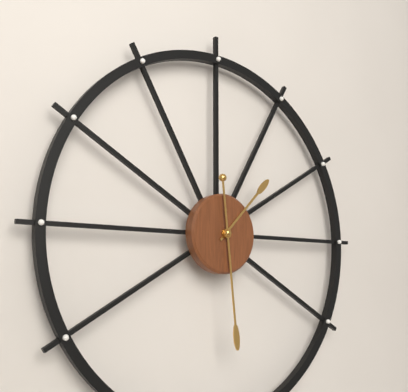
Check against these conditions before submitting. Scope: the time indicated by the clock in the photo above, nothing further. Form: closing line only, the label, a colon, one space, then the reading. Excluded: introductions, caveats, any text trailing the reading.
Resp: 1:29
